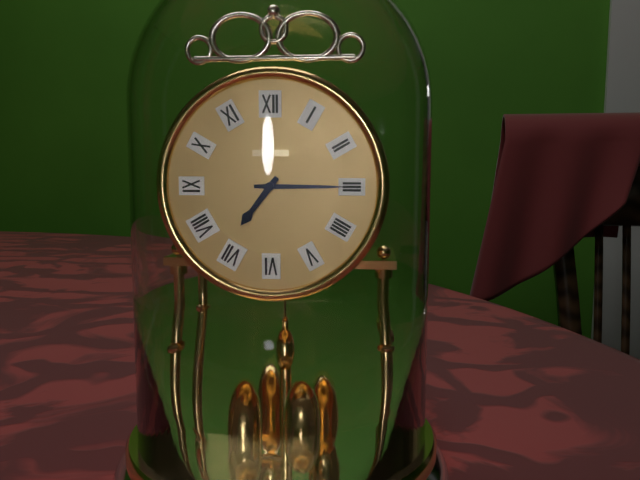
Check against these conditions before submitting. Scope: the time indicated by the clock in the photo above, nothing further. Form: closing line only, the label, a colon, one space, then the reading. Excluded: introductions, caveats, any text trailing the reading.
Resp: 7:15
